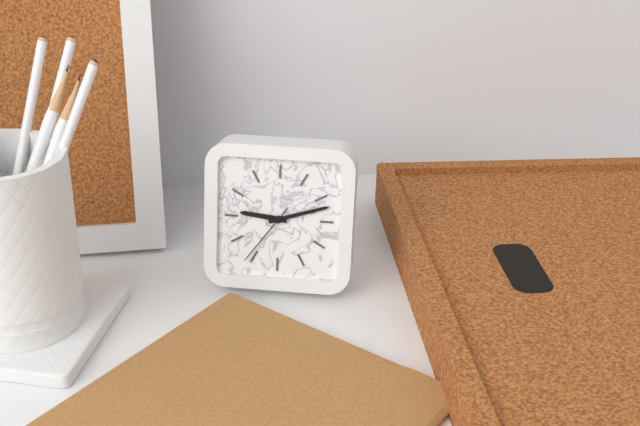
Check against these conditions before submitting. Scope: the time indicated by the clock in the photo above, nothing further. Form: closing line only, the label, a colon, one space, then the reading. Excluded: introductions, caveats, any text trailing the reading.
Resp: 9:12:36
